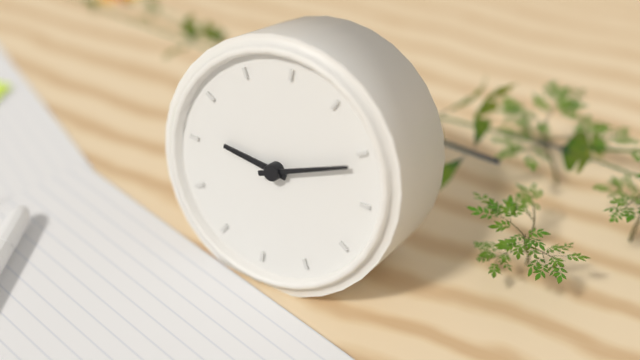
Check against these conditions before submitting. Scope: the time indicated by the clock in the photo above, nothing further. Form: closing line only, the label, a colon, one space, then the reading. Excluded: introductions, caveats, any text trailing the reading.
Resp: 9:11
